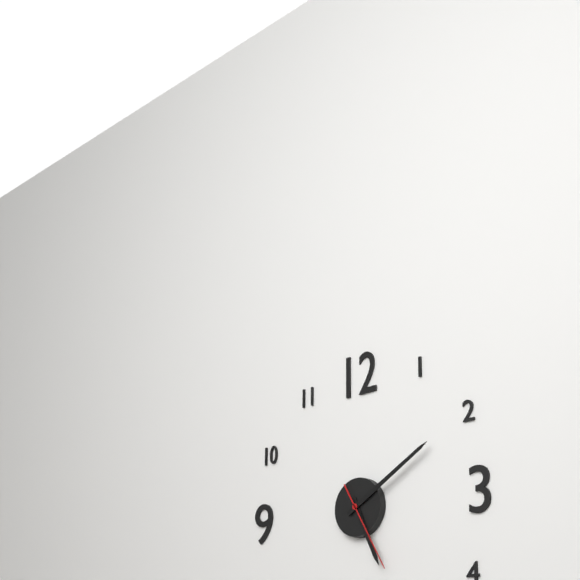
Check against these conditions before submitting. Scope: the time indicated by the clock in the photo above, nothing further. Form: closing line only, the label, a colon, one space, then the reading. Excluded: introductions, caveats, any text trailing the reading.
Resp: 5:10:25
